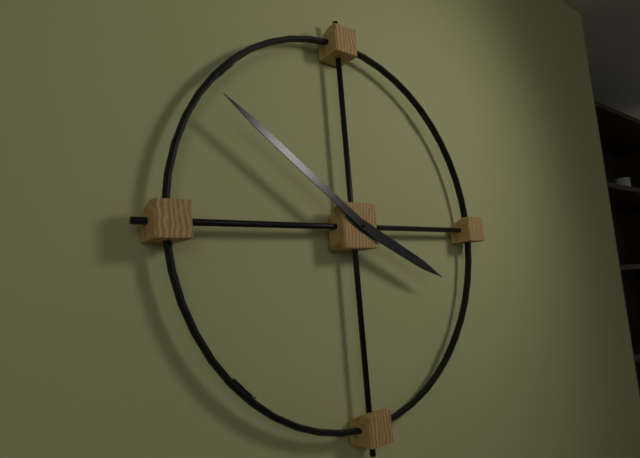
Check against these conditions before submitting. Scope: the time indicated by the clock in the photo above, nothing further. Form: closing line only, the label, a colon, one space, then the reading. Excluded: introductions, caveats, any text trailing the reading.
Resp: 3:51
